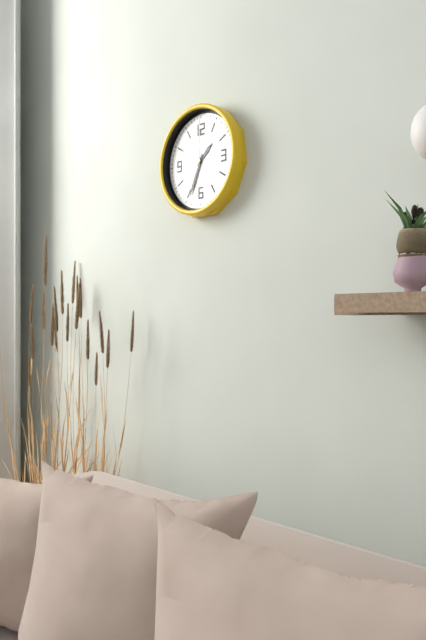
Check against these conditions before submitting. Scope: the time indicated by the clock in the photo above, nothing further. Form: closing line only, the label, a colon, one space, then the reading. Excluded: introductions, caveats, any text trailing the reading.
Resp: 1:34:00
